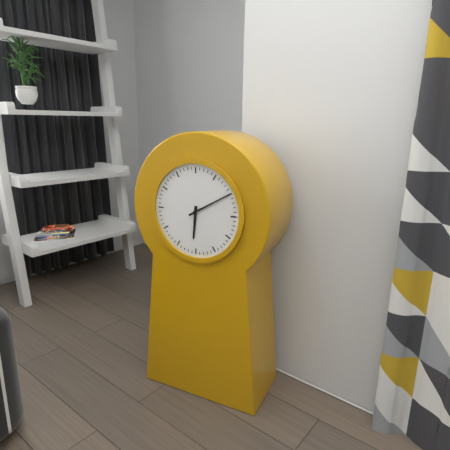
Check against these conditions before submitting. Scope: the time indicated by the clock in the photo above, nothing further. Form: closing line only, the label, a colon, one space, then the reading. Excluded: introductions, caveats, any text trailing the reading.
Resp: 6:10
